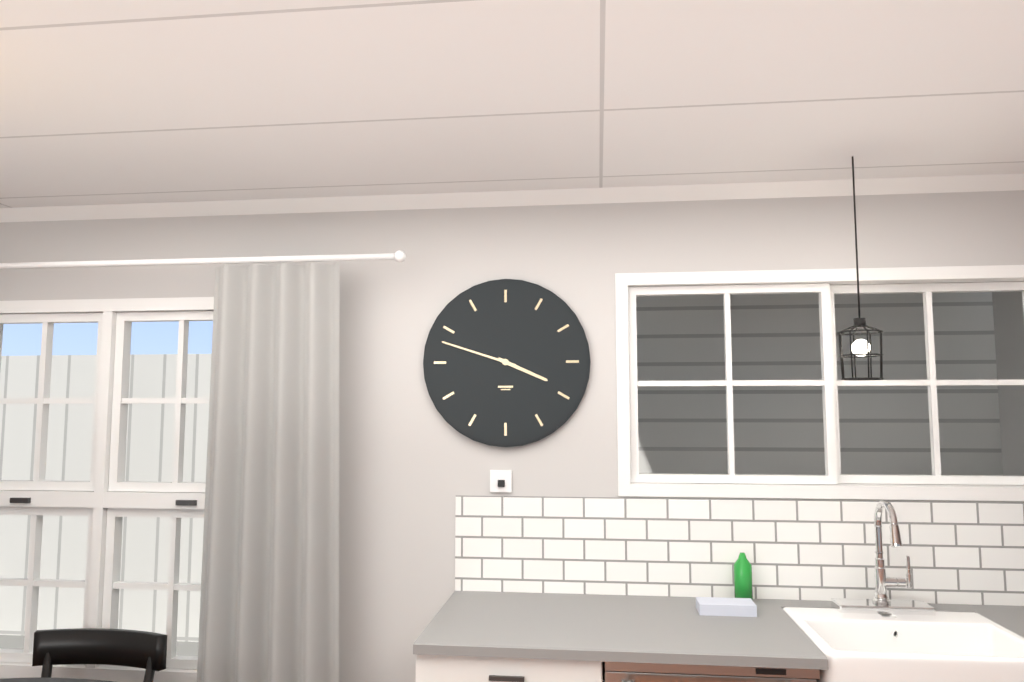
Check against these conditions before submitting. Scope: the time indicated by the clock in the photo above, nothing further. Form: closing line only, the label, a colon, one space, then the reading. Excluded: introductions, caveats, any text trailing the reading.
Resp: 3:48
